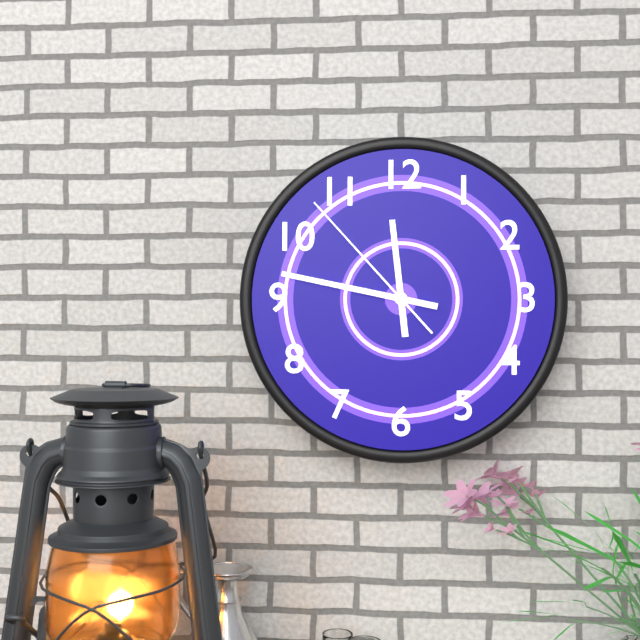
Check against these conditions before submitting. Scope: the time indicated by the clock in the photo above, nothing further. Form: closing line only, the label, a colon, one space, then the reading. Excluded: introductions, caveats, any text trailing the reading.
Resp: 11:47:53
